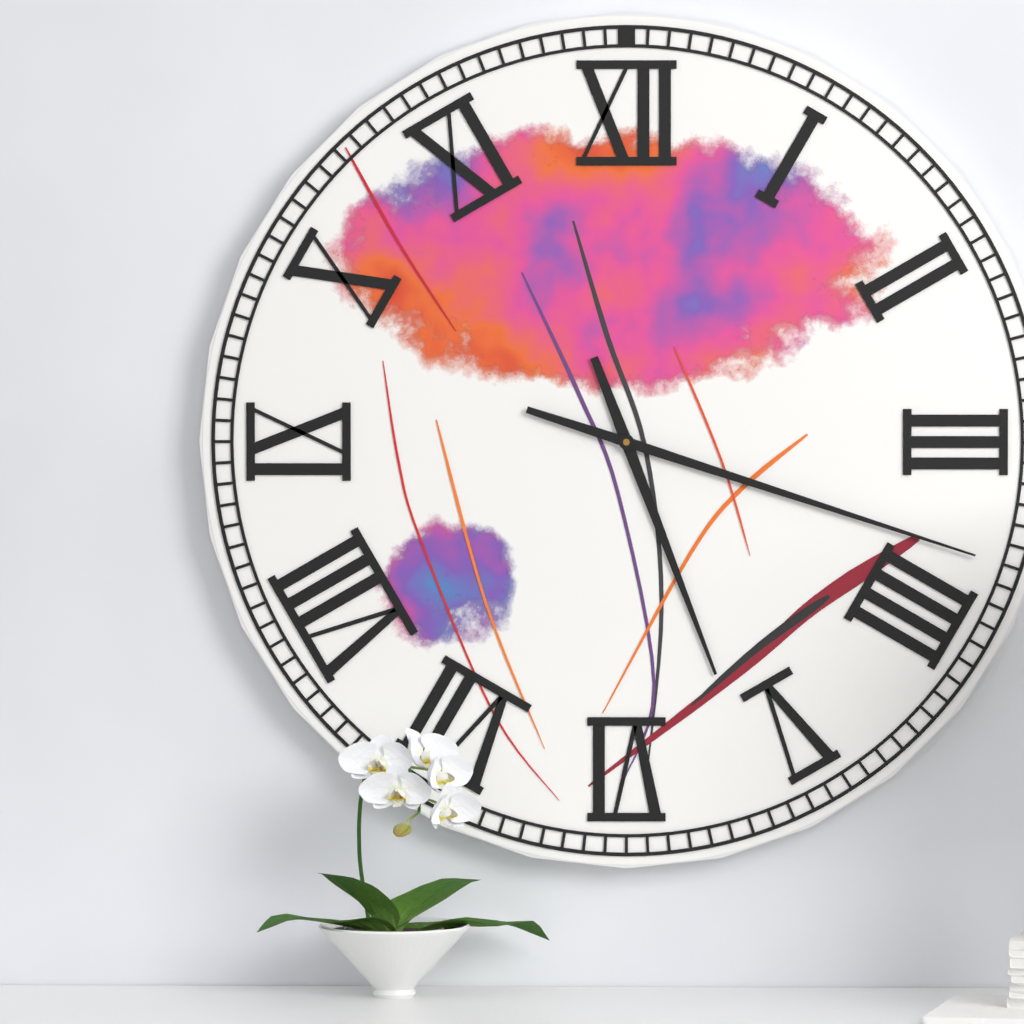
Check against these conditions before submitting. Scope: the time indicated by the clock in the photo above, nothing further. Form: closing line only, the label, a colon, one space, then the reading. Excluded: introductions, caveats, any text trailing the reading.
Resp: 5:18
